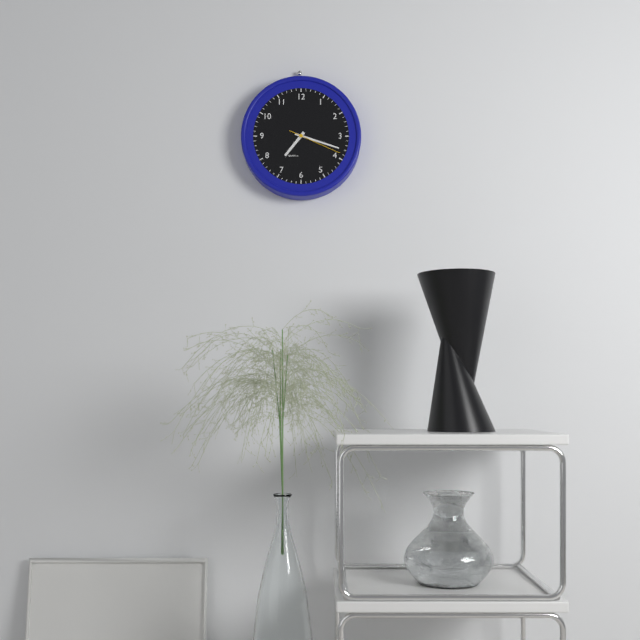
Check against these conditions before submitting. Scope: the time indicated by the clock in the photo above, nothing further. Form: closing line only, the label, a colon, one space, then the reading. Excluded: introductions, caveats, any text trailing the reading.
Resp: 7:18:19
